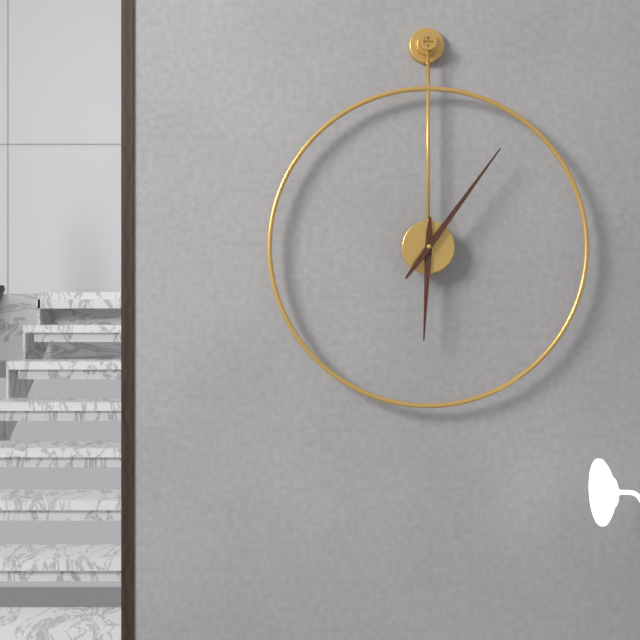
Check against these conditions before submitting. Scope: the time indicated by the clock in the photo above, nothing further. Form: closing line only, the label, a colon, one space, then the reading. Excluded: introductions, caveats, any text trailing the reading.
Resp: 6:06
